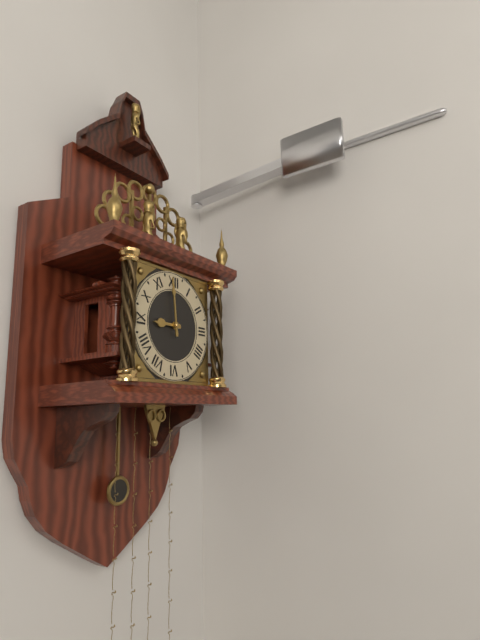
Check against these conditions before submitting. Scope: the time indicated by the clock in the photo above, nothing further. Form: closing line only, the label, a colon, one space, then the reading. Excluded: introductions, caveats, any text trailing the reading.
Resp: 8:59
